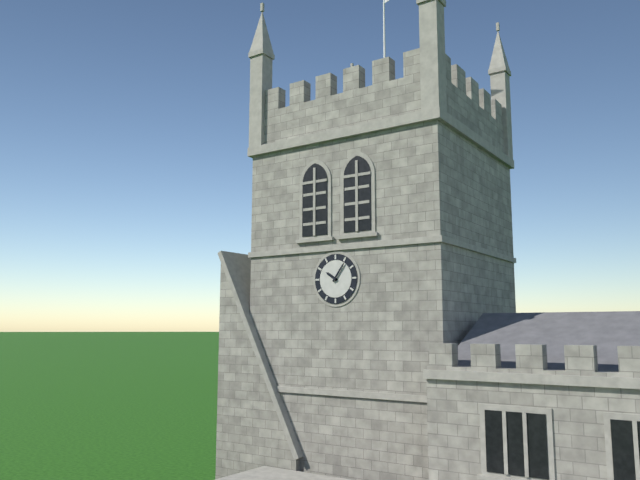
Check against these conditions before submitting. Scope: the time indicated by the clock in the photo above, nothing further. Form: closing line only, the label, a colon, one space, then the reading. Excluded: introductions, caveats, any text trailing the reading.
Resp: 10:06
